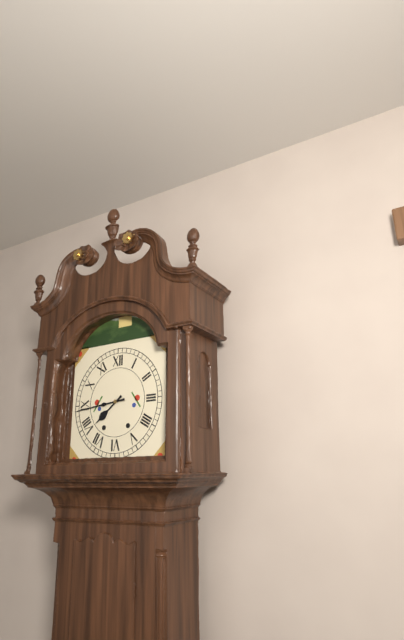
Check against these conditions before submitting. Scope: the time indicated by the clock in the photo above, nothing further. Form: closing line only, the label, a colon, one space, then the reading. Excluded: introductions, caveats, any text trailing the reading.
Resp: 7:44
